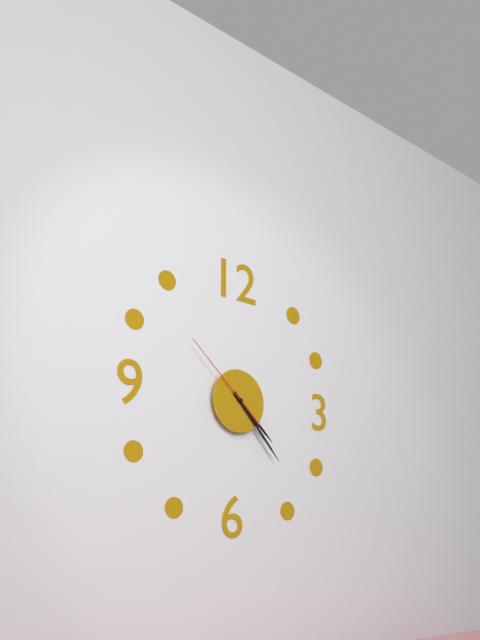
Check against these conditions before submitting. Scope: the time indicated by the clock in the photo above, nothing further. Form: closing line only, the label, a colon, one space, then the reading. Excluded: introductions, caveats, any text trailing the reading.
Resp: 4:23:52
